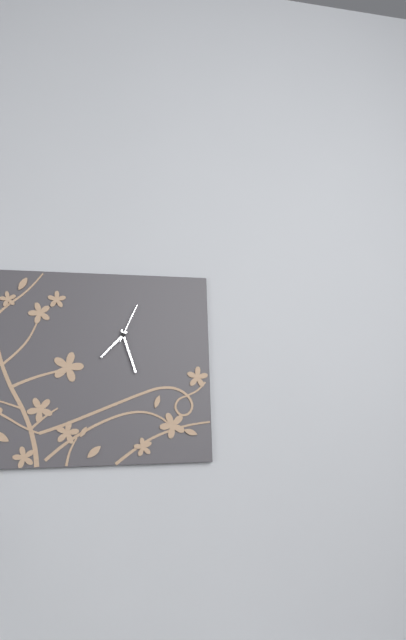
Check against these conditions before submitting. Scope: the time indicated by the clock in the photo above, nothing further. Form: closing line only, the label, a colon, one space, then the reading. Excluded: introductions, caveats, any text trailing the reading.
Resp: 7:27
